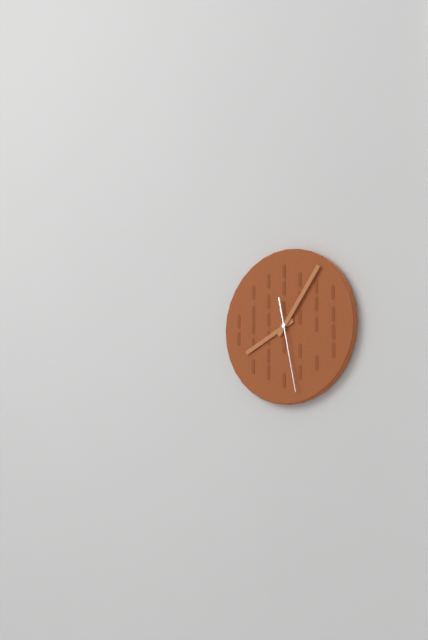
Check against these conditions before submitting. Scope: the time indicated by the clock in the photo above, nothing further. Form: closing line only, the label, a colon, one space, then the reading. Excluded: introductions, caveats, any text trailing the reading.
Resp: 8:06:28
